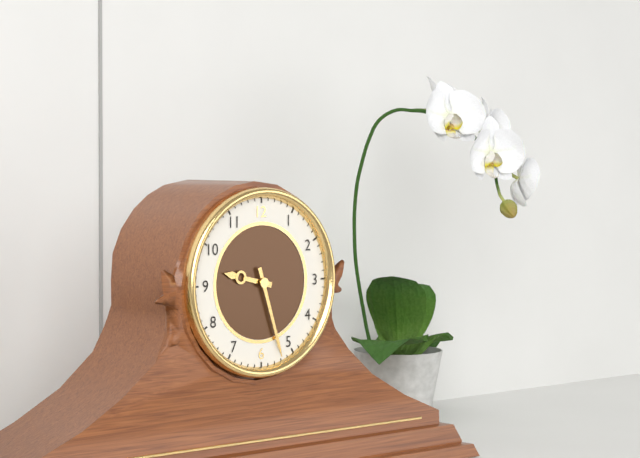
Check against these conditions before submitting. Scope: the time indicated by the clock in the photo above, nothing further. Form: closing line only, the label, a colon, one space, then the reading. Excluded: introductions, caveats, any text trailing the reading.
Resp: 9:27
